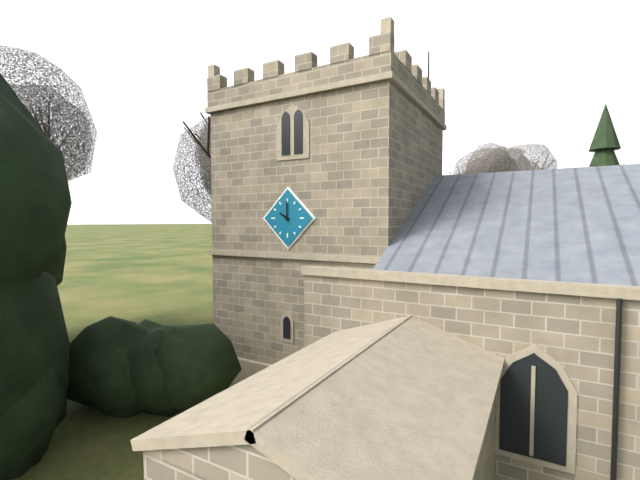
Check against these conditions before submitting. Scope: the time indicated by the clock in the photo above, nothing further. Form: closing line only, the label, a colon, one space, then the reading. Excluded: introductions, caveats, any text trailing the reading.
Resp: 10:00
